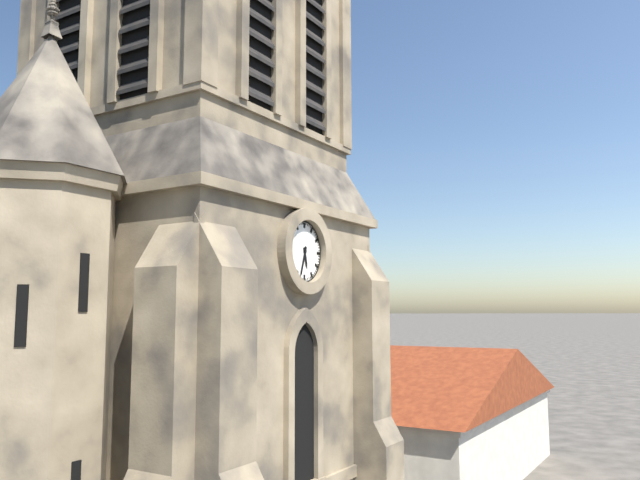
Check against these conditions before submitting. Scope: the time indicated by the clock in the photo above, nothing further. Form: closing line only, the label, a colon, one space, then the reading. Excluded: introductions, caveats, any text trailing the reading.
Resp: 5:33
